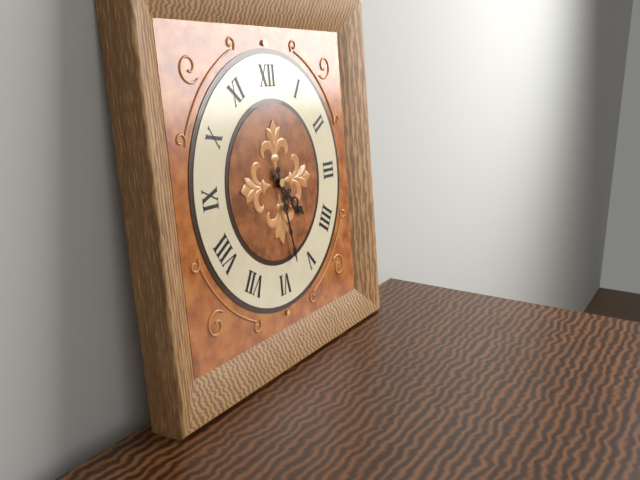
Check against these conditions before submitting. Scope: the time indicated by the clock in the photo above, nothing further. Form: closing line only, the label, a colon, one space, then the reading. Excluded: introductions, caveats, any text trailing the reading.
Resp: 4:28
